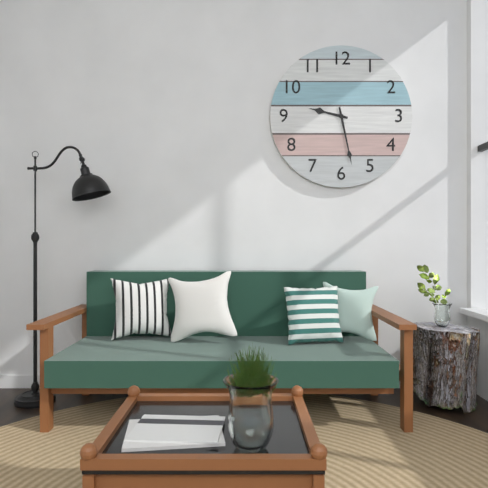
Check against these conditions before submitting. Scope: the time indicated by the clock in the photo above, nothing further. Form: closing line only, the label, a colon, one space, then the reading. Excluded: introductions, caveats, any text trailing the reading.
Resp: 9:28
